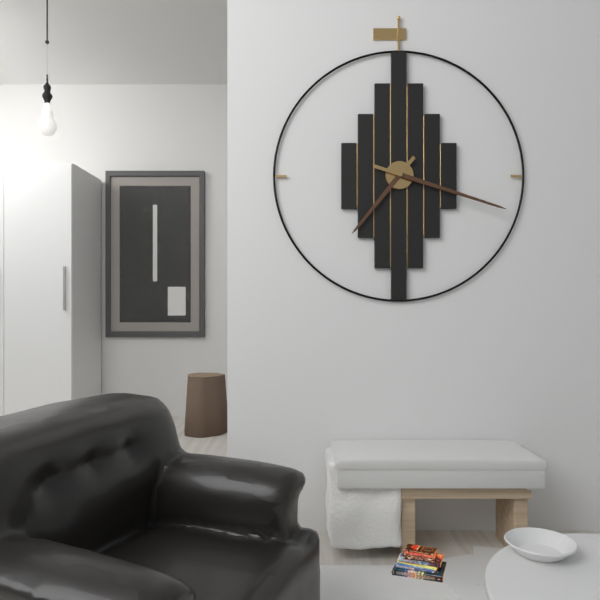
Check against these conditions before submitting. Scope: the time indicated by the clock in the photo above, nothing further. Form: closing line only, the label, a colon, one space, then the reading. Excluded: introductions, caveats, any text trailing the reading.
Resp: 7:18
